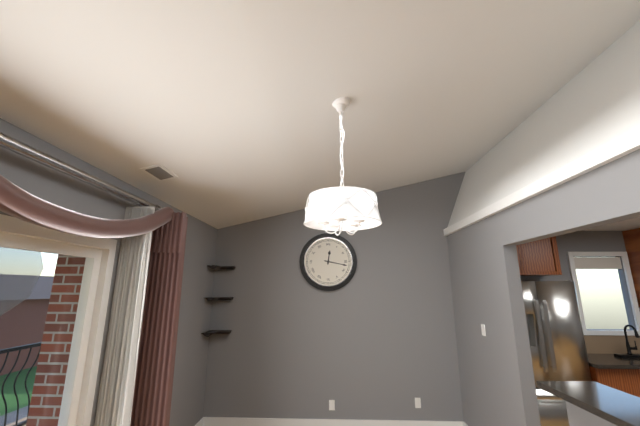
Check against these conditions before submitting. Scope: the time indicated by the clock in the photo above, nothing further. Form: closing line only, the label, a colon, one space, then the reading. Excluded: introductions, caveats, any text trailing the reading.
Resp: 12:17
